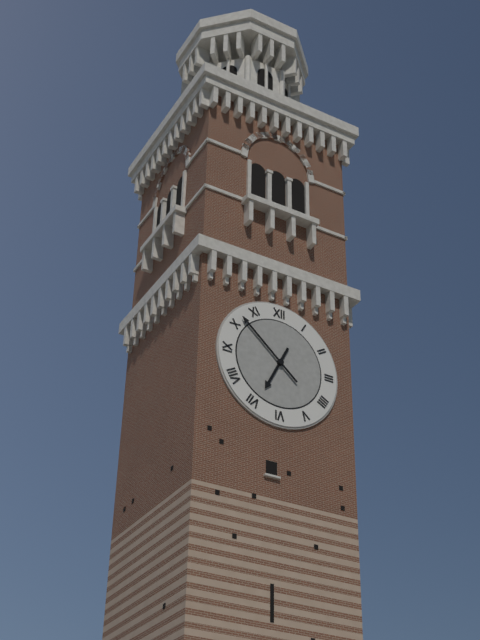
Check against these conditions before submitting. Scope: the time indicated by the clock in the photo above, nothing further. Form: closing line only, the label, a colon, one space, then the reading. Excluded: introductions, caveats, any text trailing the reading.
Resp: 6:52
